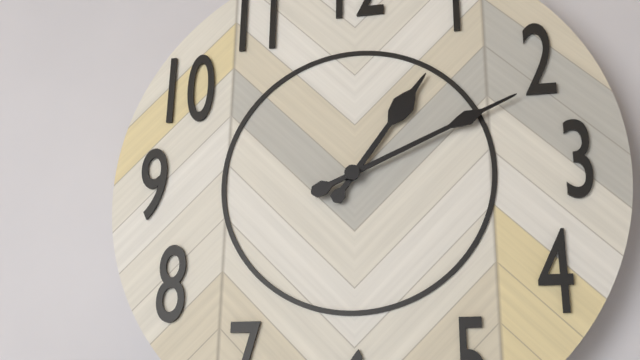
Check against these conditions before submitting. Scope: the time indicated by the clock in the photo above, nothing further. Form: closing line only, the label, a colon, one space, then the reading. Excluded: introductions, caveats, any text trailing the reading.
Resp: 1:11
